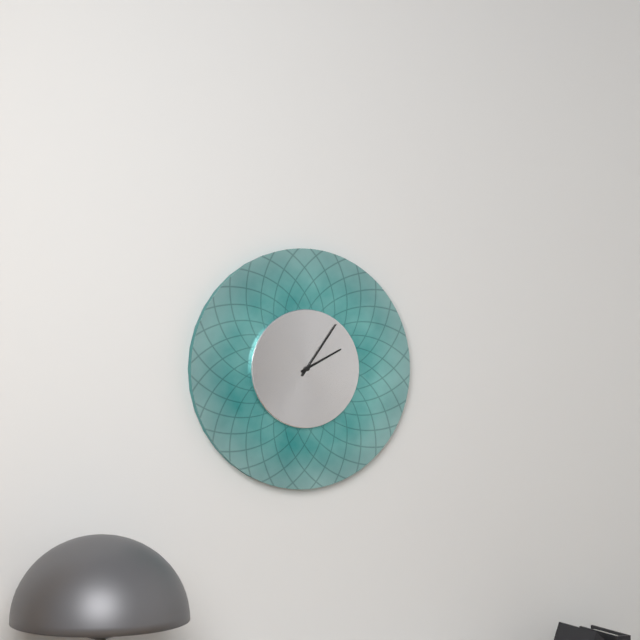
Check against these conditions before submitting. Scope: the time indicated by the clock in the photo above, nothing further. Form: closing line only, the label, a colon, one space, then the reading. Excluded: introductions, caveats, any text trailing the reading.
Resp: 2:06
